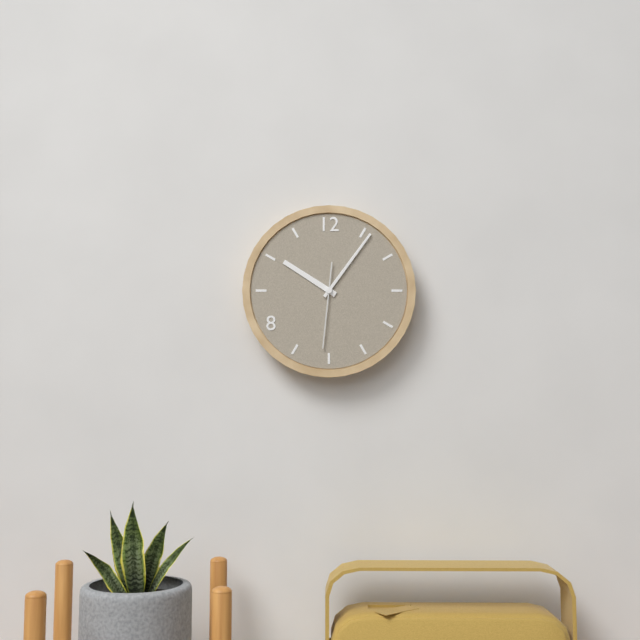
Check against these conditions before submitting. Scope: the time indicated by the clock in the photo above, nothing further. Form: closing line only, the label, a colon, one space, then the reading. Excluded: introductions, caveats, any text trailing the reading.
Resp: 10:06:31
